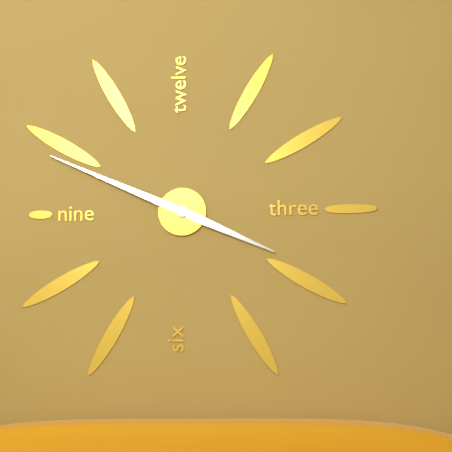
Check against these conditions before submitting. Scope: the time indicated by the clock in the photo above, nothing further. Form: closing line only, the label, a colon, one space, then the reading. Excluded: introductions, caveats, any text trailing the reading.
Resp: 3:49
